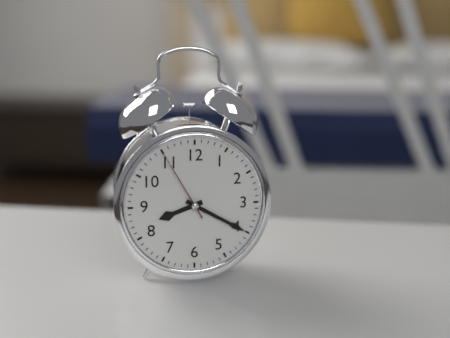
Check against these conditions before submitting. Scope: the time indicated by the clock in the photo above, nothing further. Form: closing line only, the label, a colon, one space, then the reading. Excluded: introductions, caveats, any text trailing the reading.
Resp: 8:20:55
